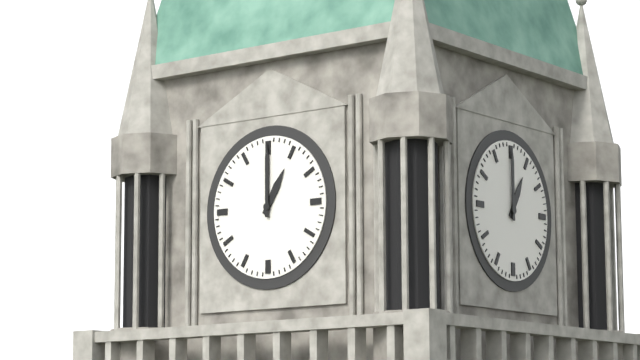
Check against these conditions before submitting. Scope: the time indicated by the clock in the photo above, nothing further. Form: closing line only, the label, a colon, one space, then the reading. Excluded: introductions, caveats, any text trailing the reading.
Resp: 1:00
